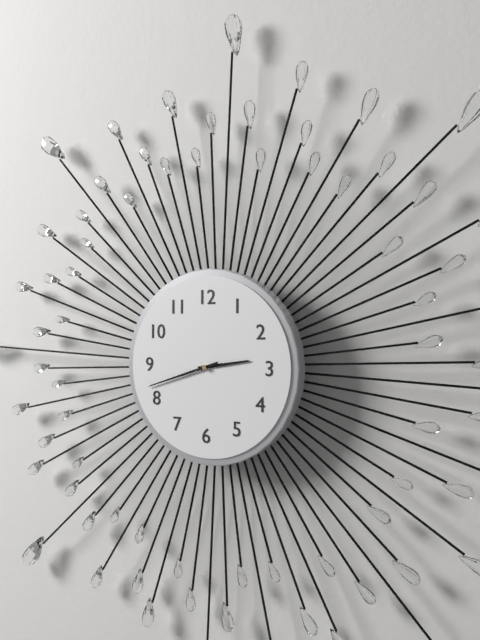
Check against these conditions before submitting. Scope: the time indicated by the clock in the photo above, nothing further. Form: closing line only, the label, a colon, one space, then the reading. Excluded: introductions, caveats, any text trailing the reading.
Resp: 2:42
